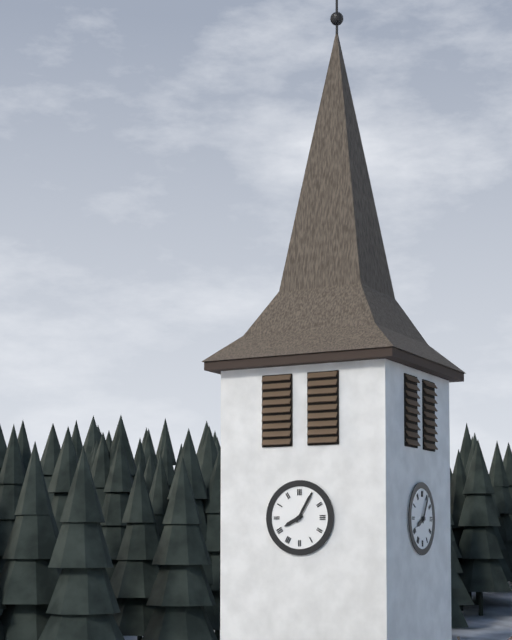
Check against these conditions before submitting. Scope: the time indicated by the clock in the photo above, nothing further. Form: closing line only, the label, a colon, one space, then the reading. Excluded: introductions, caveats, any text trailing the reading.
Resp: 8:05
